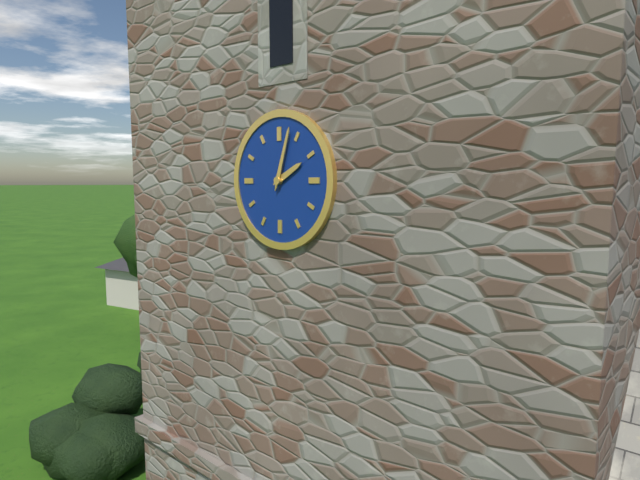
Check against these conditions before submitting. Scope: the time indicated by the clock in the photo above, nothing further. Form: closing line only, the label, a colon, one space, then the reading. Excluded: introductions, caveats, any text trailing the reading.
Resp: 2:03
